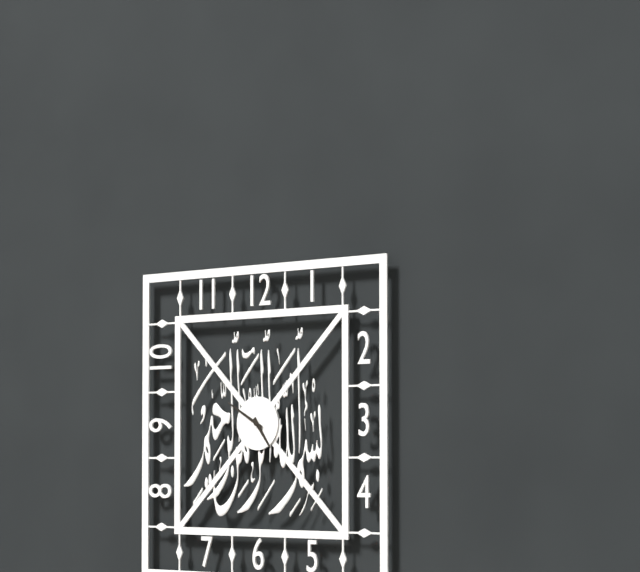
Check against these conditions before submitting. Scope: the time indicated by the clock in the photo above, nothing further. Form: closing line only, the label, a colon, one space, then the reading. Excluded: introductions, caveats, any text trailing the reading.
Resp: 4:50
